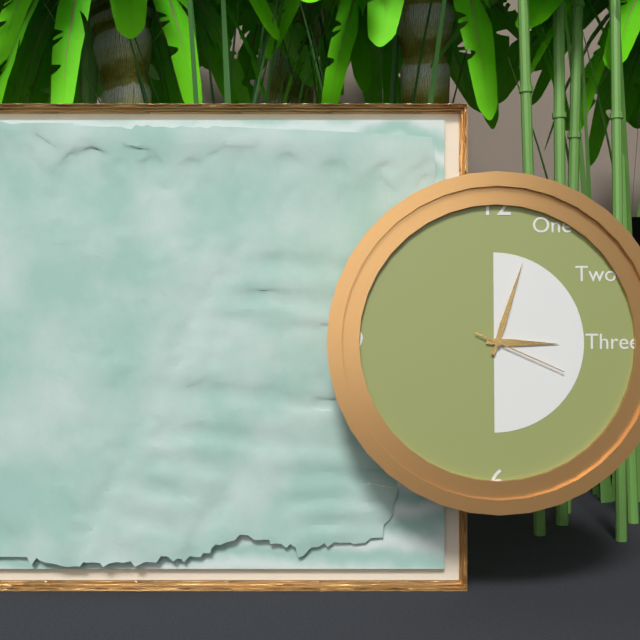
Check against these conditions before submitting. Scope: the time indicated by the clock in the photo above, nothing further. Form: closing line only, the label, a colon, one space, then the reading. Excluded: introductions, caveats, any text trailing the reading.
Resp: 3:03:19
